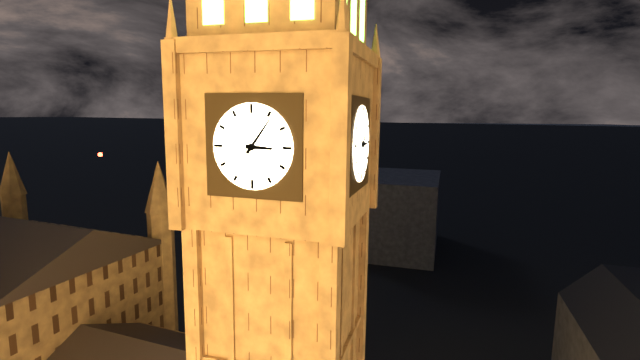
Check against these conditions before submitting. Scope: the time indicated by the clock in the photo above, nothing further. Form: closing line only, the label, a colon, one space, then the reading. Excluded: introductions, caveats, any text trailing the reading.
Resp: 3:06
